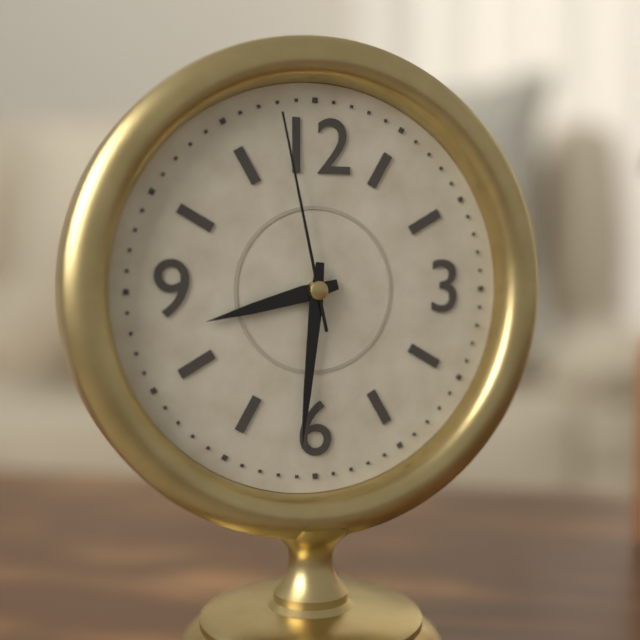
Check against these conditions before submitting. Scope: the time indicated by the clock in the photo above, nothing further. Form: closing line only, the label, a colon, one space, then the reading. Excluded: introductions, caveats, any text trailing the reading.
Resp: 8:31:58
